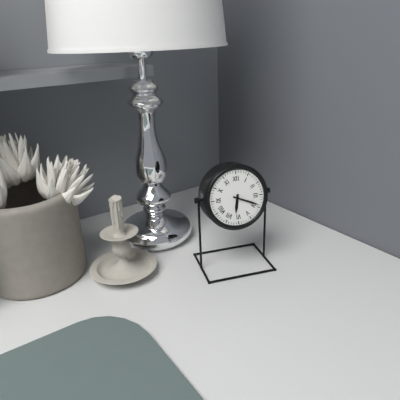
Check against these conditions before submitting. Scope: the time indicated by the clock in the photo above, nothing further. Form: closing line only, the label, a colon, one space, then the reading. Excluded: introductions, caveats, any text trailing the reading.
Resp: 6:19
